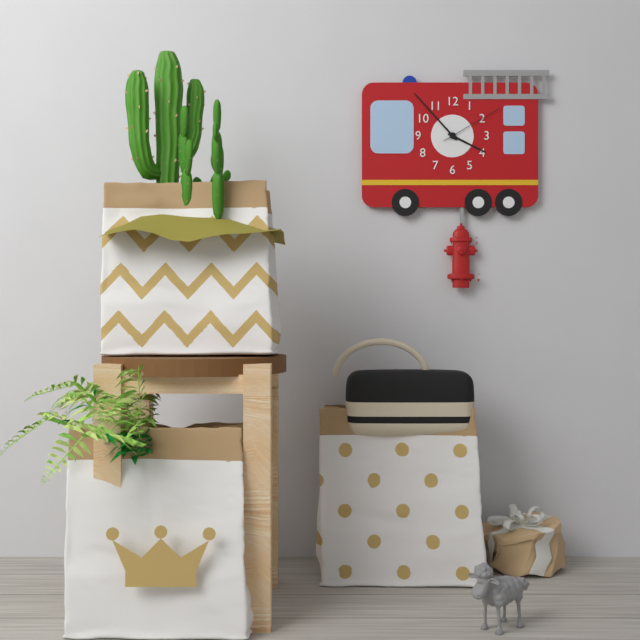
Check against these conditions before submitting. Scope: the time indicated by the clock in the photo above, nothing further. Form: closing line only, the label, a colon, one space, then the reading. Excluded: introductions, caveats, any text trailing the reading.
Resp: 3:53:10
